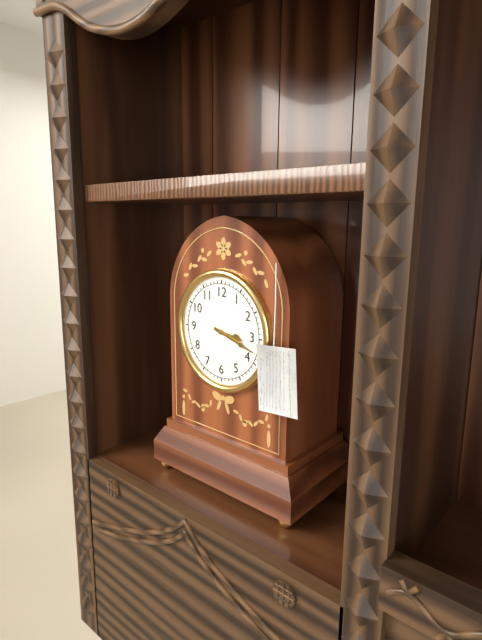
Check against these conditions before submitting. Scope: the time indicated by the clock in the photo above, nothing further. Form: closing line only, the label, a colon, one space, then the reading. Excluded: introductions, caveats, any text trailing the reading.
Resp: 3:18
